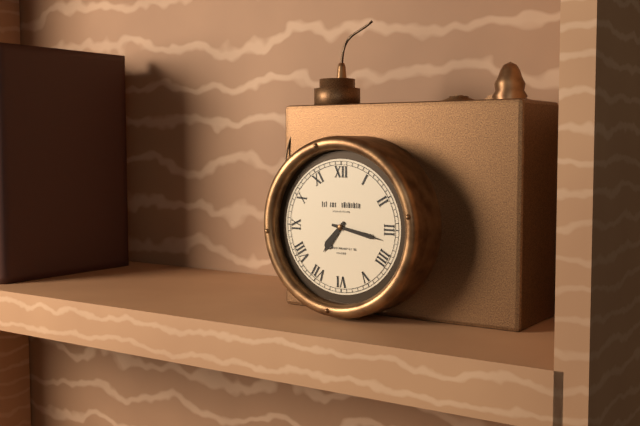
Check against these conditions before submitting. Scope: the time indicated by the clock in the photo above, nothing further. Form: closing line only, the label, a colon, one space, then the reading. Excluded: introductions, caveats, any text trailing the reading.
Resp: 7:17
